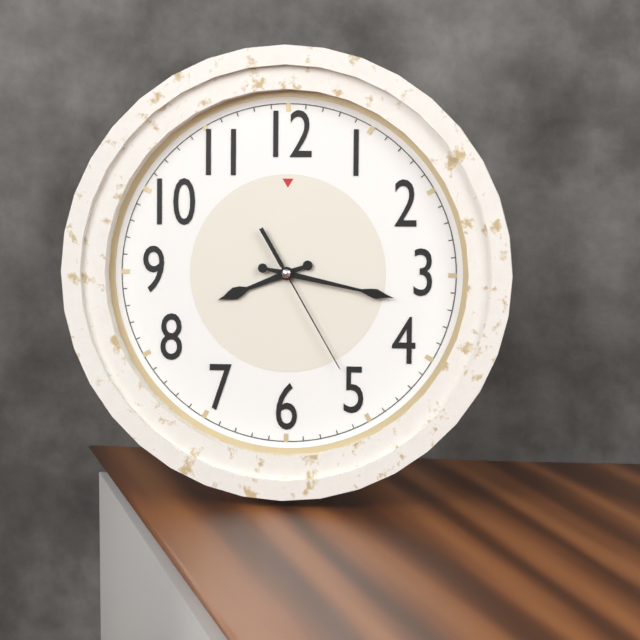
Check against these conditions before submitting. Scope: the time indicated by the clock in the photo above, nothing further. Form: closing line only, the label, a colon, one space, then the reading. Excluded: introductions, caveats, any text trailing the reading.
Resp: 8:17:25
